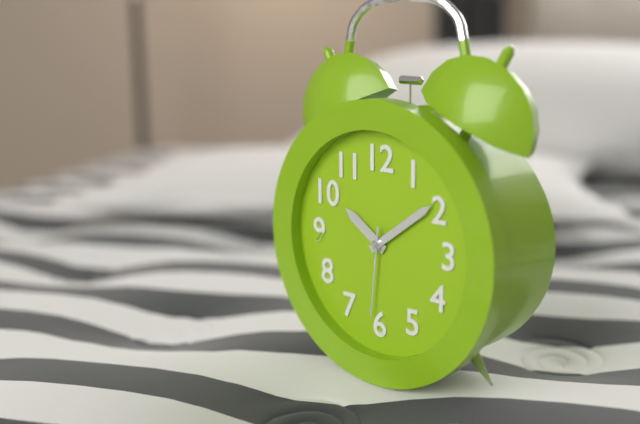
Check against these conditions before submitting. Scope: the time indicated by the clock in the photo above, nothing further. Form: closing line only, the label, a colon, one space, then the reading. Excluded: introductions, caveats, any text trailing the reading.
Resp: 10:09:31
